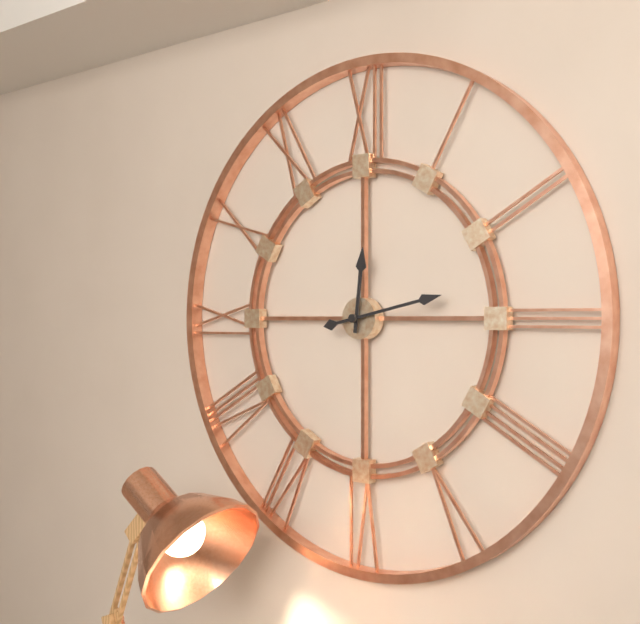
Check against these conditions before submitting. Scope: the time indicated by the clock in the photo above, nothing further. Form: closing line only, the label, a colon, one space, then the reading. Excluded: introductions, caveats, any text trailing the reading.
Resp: 12:13
